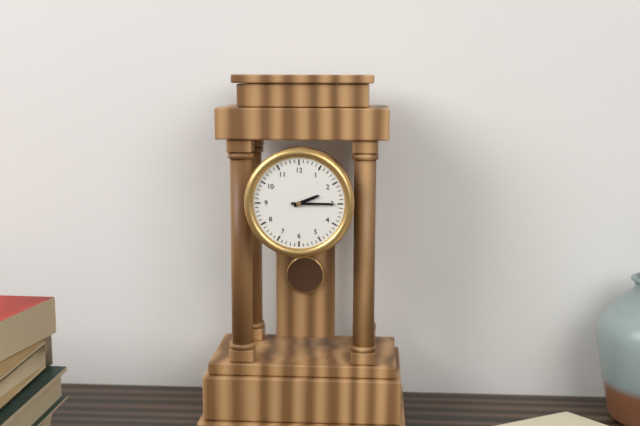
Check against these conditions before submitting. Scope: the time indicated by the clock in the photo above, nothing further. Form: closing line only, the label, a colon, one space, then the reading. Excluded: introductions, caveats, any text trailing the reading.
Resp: 2:15
